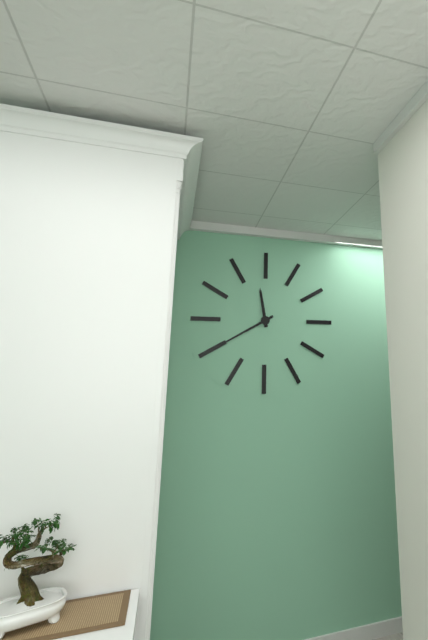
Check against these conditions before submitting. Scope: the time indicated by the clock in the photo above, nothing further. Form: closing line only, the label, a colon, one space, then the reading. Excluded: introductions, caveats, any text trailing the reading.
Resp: 11:40
